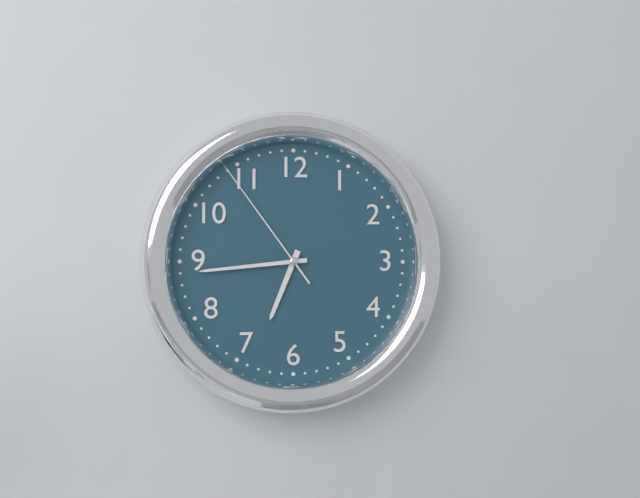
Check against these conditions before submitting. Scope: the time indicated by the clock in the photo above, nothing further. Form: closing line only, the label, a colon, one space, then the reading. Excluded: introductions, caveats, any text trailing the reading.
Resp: 6:44:54
